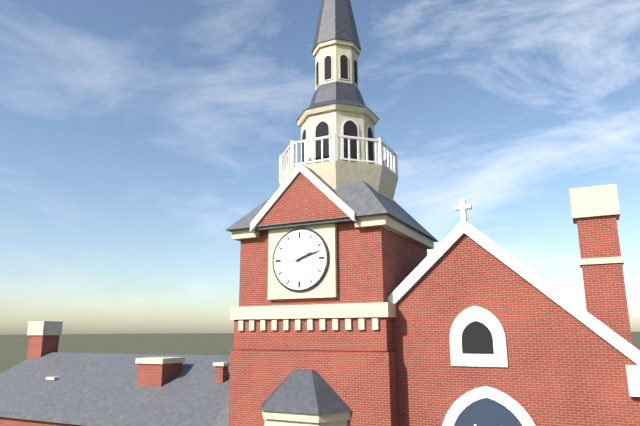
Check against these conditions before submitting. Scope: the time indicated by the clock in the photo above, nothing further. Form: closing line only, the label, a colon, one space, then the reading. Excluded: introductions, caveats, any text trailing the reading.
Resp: 2:12
